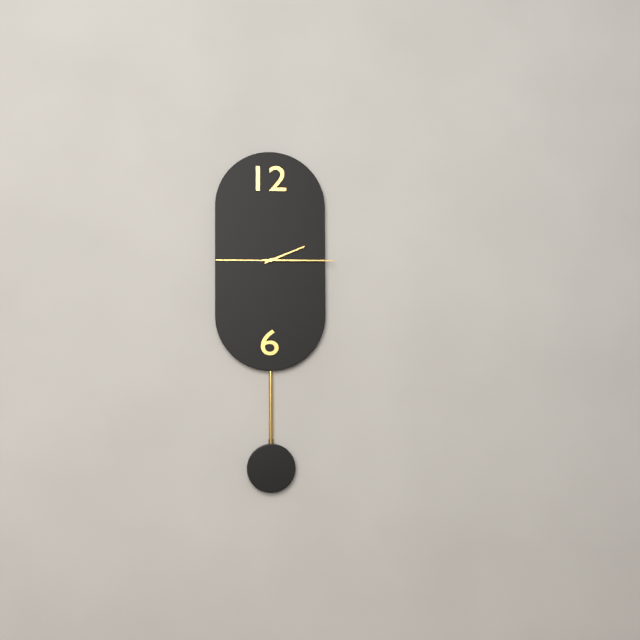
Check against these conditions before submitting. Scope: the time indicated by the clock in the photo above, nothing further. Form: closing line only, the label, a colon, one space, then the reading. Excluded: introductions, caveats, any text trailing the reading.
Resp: 2:15
